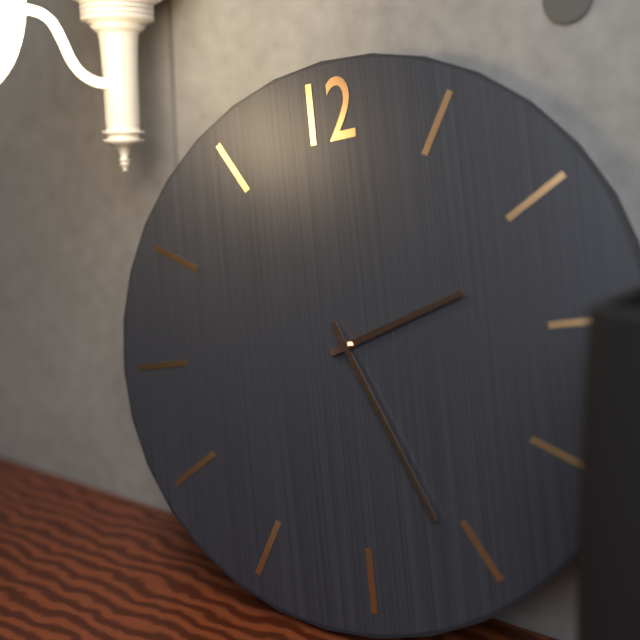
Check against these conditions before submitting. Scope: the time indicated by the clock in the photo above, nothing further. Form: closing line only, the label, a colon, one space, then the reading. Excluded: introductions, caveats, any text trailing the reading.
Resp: 2:26
